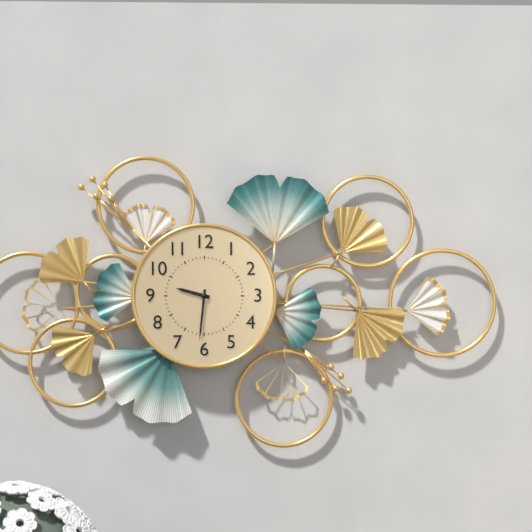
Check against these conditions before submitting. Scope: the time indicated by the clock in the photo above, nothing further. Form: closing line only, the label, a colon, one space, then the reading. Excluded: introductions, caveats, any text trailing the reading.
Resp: 9:31
